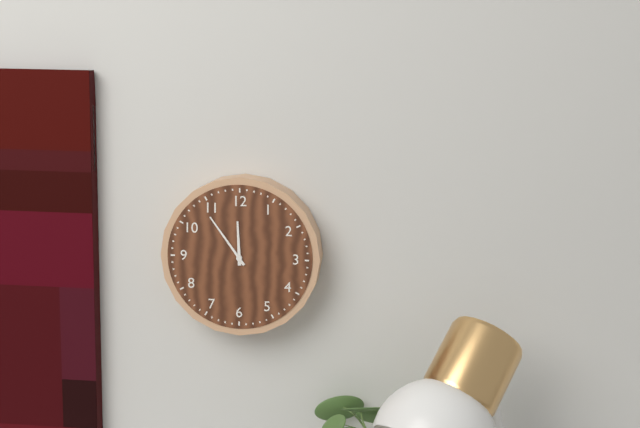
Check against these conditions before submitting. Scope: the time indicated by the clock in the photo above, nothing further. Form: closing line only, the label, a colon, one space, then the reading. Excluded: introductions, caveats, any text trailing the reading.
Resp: 11:54
